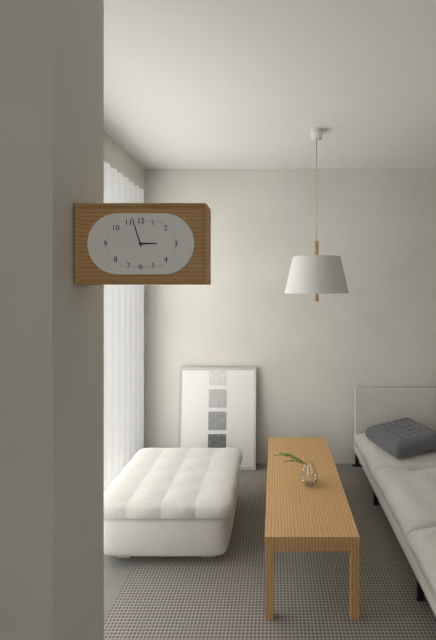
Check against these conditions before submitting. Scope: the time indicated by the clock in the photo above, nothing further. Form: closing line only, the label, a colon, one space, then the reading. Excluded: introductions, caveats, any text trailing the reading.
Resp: 2:57
